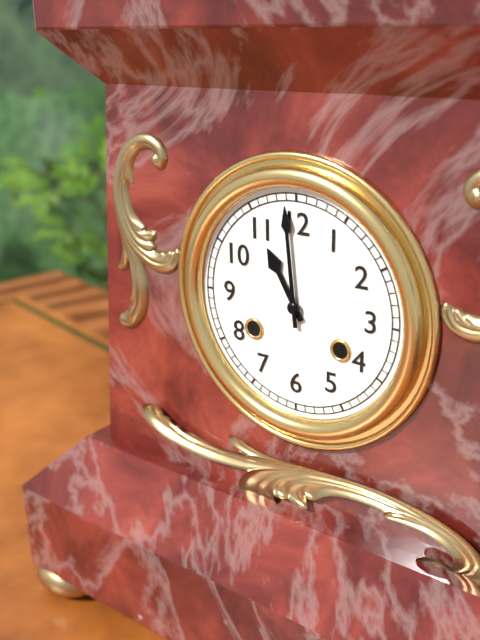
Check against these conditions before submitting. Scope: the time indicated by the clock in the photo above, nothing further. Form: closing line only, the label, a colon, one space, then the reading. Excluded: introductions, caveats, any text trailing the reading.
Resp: 10:59
